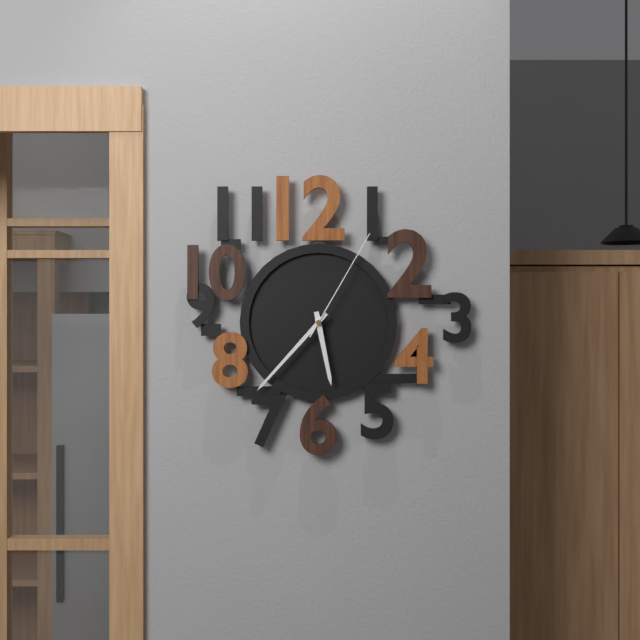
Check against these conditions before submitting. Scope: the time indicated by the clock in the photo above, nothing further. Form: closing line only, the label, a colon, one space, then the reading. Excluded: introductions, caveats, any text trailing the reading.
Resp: 5:37:05
